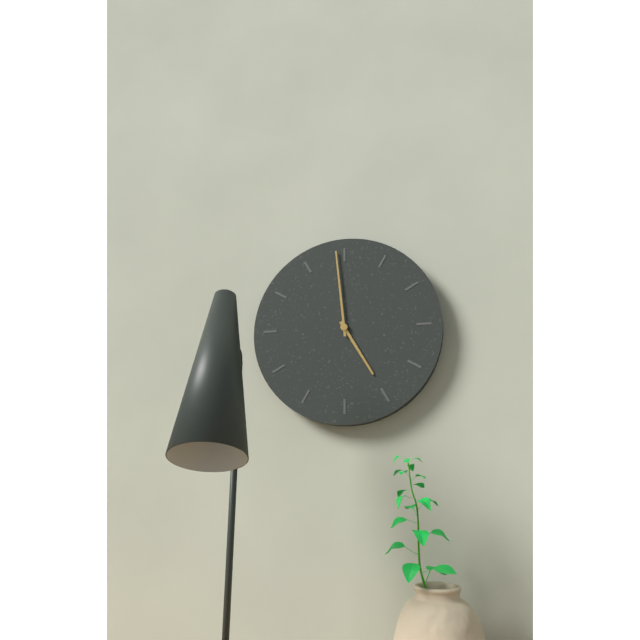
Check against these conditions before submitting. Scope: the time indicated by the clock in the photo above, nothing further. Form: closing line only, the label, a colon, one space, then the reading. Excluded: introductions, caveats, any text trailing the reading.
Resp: 4:59
